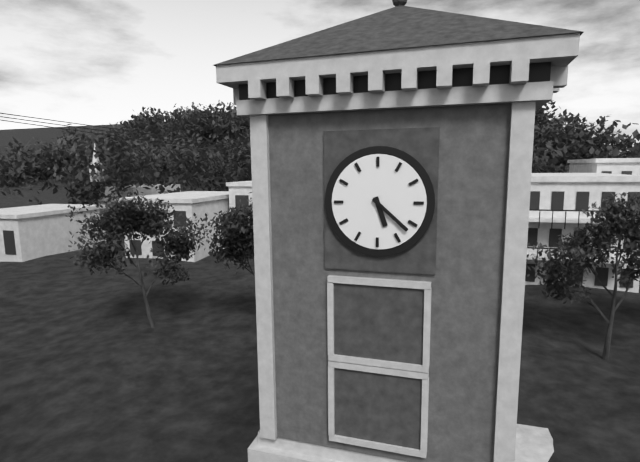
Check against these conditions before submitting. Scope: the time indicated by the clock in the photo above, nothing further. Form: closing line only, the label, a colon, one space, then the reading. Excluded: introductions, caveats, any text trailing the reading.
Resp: 5:22
